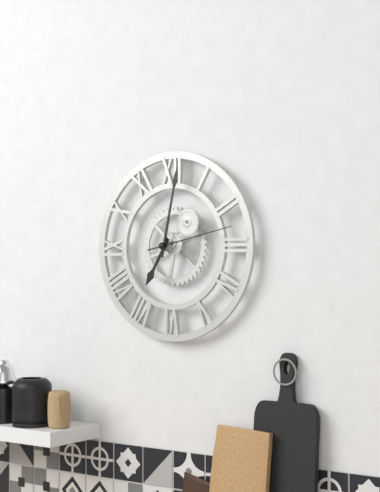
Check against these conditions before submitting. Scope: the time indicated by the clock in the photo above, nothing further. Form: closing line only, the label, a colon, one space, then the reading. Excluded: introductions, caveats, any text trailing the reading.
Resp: 7:02:13
